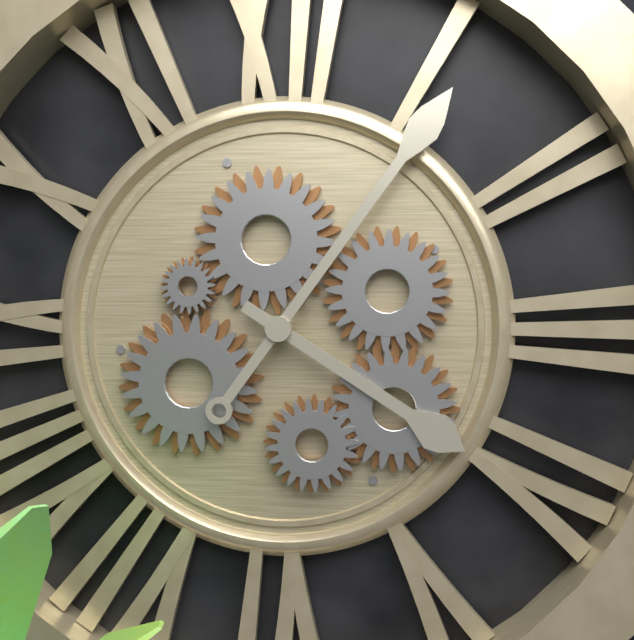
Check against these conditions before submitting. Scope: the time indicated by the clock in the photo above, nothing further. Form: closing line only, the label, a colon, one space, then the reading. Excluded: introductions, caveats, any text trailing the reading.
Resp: 4:06
